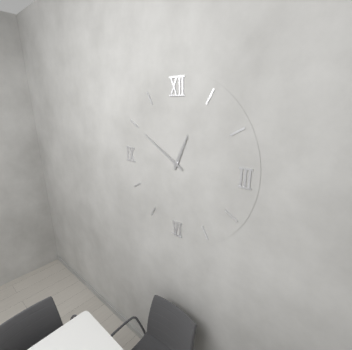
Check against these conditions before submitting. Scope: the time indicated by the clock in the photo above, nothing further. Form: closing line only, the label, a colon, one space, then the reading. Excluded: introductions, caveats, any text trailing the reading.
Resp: 12:50
